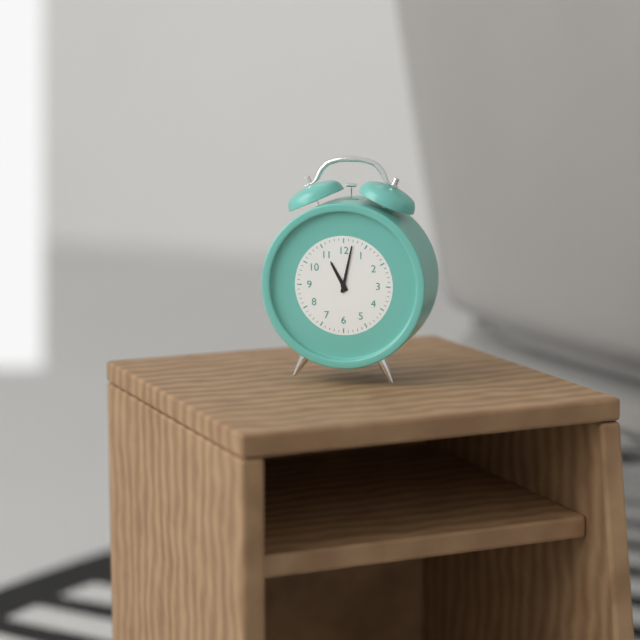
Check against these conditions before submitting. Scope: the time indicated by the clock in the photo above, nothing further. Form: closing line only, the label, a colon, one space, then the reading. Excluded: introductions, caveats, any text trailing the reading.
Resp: 11:02
